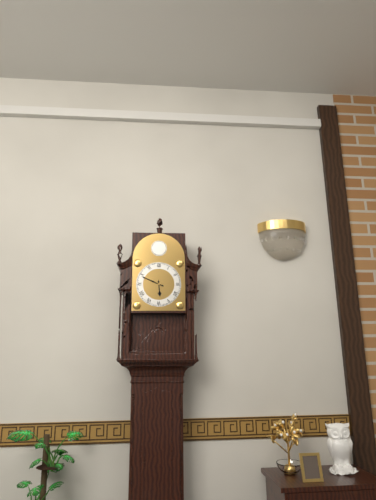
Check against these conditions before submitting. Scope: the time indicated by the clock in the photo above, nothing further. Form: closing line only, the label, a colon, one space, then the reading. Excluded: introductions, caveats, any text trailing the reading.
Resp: 5:49
